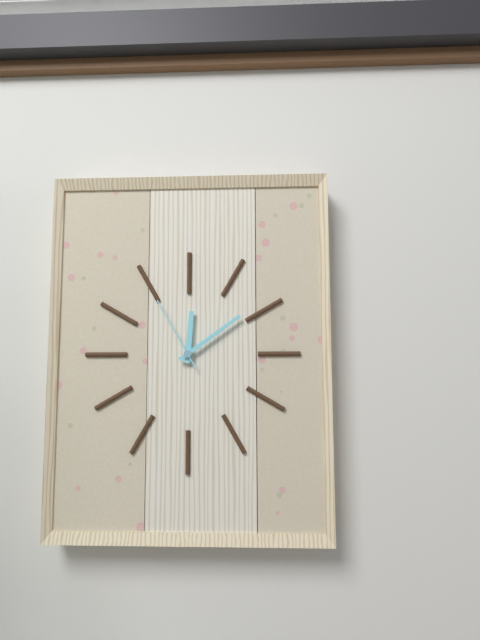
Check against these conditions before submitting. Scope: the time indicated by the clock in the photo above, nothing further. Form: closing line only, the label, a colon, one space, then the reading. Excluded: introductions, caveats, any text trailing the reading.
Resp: 12:09:55
